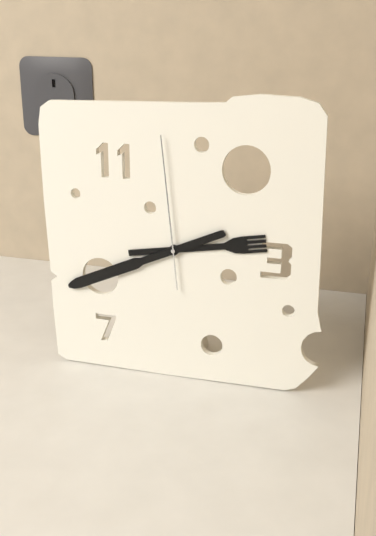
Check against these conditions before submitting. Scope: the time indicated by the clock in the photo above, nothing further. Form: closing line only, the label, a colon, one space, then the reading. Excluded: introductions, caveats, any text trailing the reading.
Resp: 2:41:59
